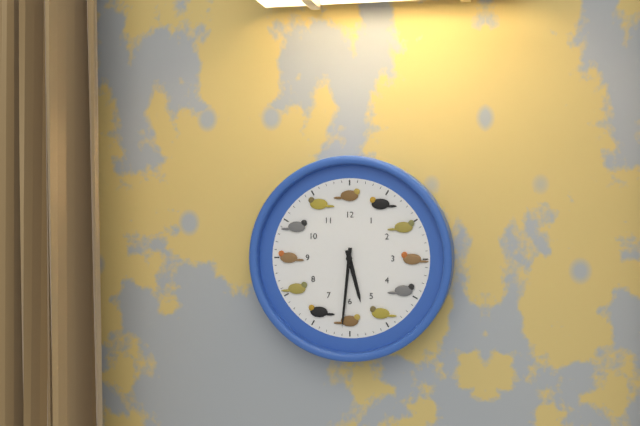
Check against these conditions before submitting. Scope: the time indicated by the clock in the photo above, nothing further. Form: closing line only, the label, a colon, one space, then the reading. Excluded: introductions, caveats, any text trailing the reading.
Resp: 5:31
